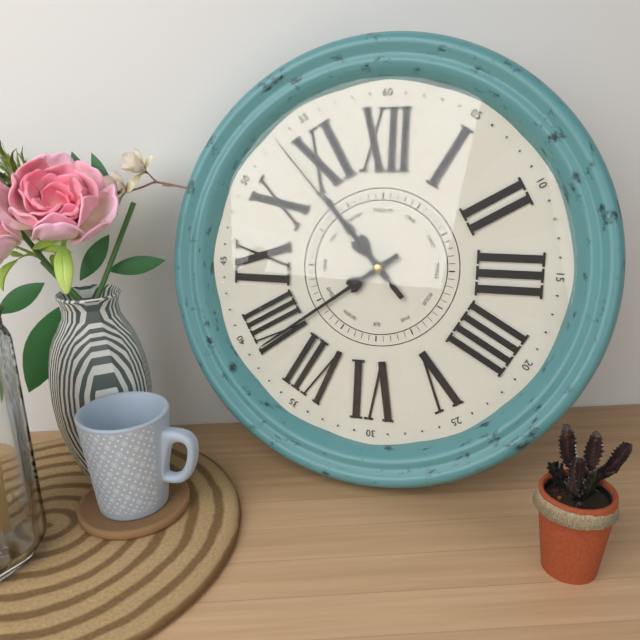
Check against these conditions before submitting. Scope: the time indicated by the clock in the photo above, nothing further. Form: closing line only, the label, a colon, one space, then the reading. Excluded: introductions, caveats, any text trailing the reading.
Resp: 10:39:53
